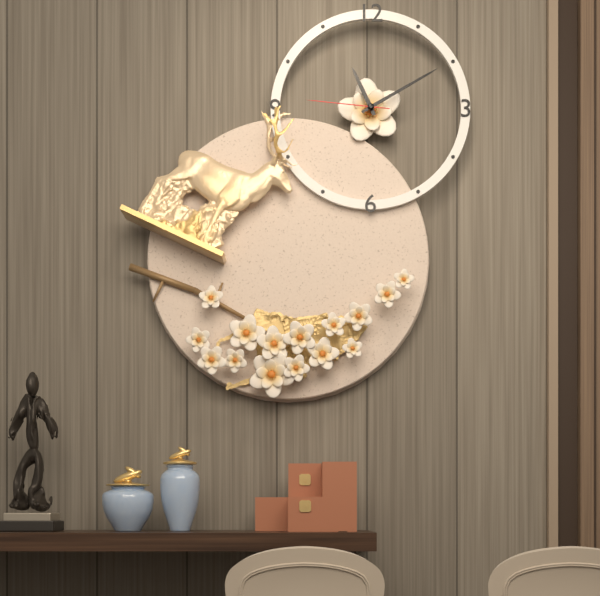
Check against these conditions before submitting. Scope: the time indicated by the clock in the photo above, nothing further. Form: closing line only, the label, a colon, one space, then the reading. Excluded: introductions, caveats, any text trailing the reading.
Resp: 11:10:46
